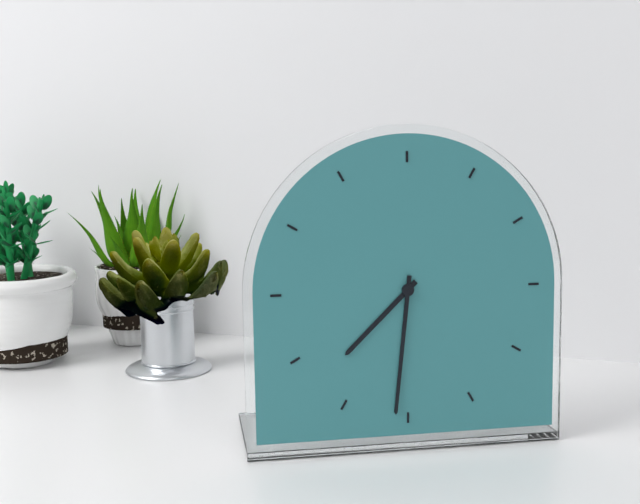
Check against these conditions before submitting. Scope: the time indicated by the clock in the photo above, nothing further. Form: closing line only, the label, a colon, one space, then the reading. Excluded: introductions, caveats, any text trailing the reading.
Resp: 7:31
